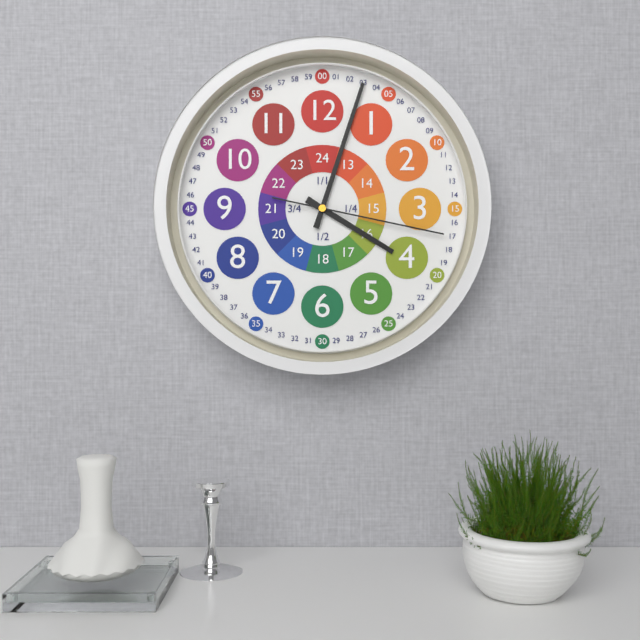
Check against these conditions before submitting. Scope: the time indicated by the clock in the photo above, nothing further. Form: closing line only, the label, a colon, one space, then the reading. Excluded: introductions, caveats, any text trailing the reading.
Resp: 4:03:17
